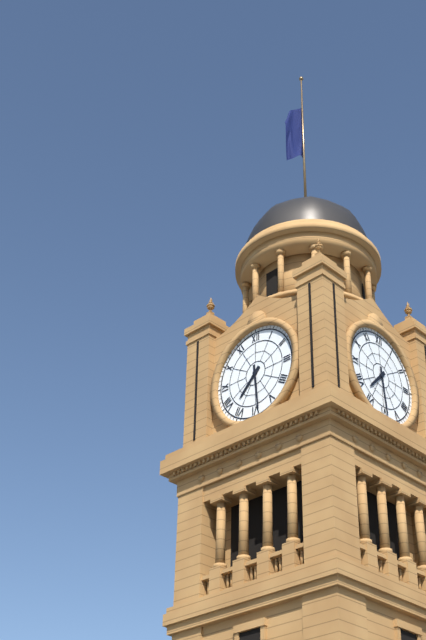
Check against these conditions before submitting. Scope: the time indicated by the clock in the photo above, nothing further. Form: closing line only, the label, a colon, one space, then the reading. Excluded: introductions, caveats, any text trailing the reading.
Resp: 7:29
